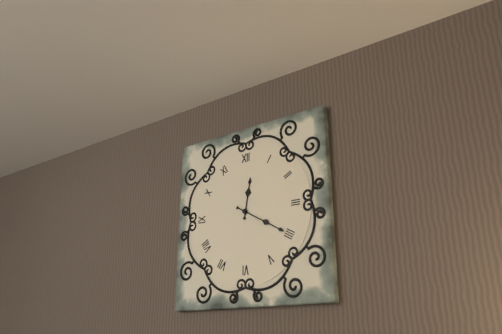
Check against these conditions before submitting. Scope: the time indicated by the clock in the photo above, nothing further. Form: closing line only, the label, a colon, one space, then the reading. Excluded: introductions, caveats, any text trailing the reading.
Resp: 12:20
